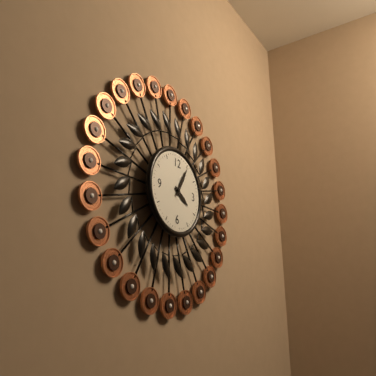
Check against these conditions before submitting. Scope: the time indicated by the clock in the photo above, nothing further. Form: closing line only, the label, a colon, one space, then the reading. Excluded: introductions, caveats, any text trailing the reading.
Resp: 4:05
